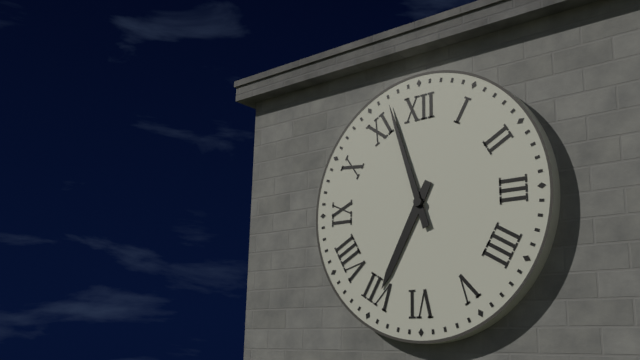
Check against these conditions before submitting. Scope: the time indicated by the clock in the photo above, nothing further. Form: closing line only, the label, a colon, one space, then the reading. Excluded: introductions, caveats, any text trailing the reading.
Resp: 6:57
